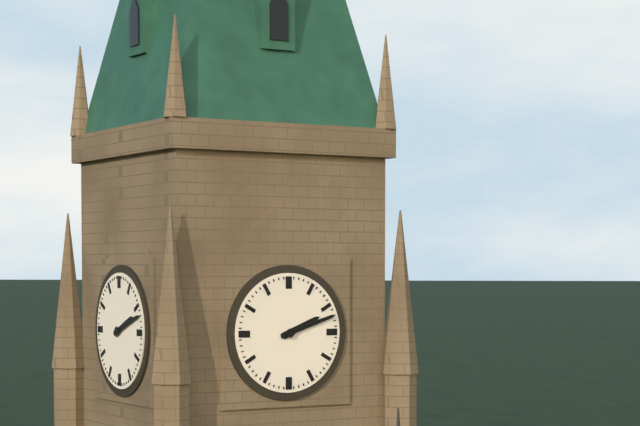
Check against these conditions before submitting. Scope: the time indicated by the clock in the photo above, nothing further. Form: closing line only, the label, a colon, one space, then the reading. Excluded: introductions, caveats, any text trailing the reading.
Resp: 2:12
